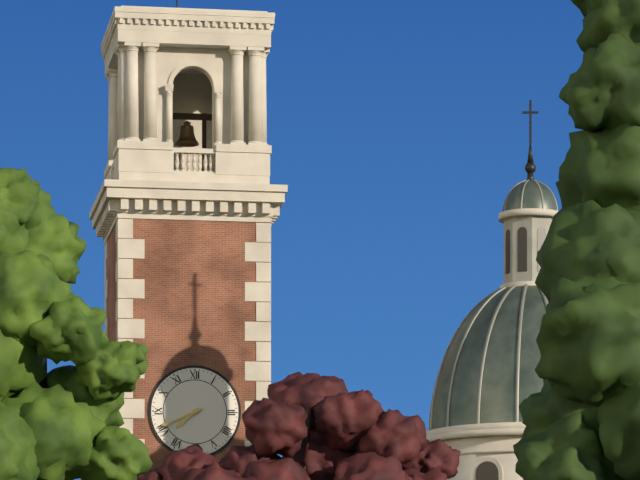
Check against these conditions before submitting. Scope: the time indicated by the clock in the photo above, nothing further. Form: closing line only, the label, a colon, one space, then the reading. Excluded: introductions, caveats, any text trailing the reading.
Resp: 7:41
